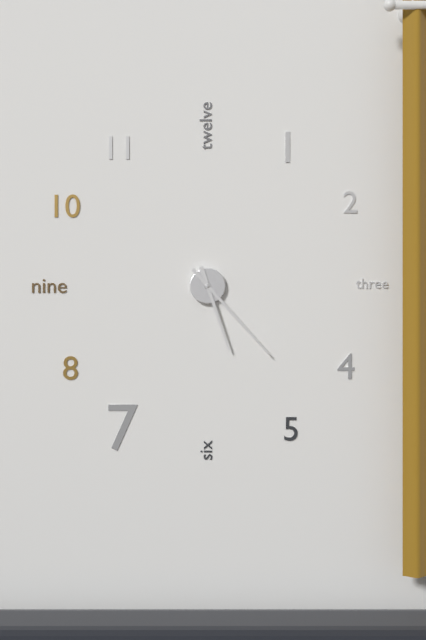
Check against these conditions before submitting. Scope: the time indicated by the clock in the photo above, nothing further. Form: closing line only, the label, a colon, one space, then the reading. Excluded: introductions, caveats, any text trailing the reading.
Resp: 5:23
